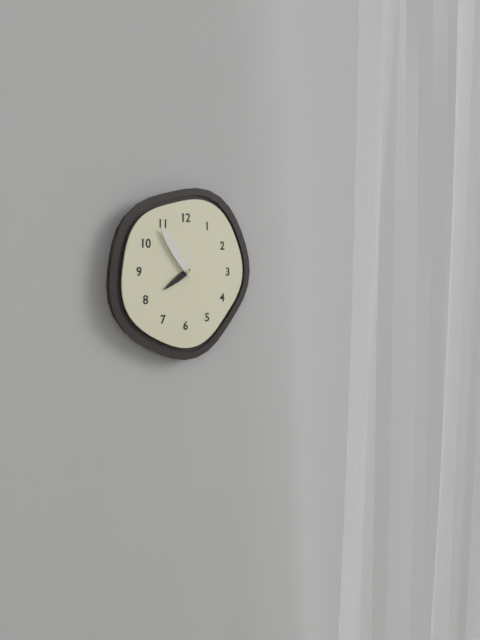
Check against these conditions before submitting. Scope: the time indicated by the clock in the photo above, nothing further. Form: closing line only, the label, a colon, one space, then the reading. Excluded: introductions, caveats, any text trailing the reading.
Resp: 7:54
